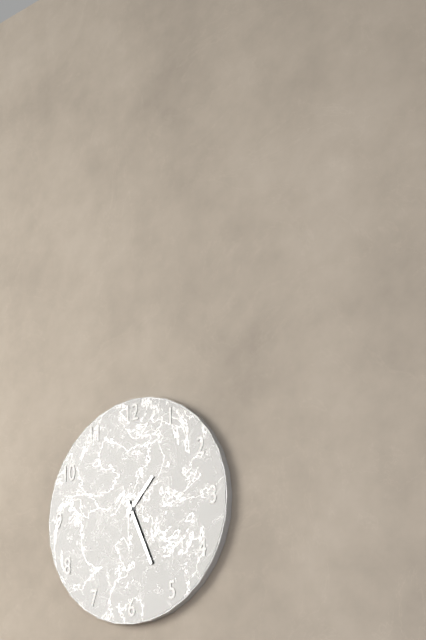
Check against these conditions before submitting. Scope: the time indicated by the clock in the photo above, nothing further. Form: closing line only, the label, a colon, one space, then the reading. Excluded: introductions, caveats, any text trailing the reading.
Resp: 1:26
